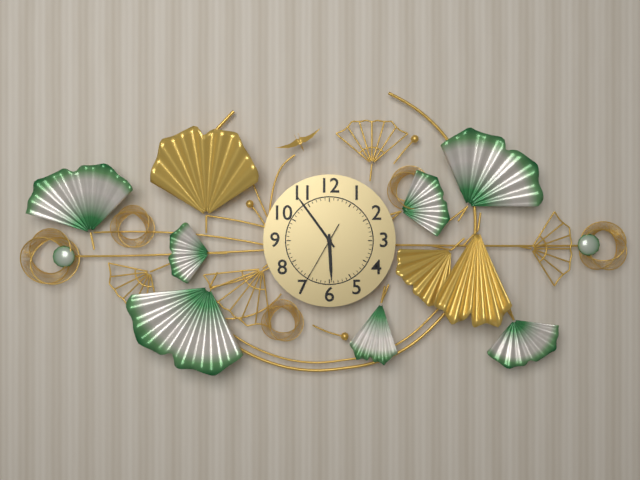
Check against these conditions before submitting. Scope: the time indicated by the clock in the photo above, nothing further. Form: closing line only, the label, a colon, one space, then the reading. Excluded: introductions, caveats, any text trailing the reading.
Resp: 5:54:35
